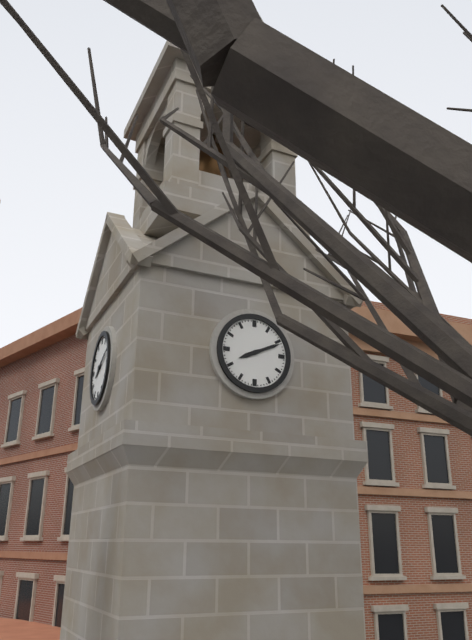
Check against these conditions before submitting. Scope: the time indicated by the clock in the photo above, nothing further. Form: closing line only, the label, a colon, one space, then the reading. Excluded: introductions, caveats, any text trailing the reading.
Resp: 8:11
